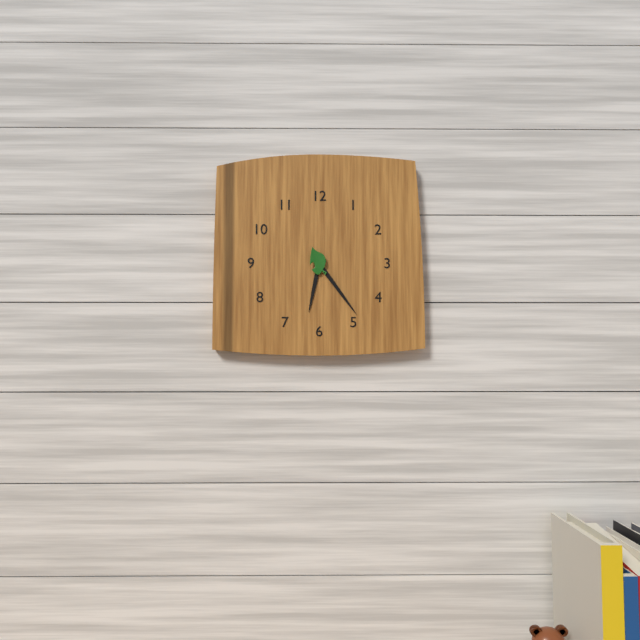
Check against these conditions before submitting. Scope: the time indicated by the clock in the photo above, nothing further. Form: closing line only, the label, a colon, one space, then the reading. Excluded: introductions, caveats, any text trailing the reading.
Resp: 6:24
